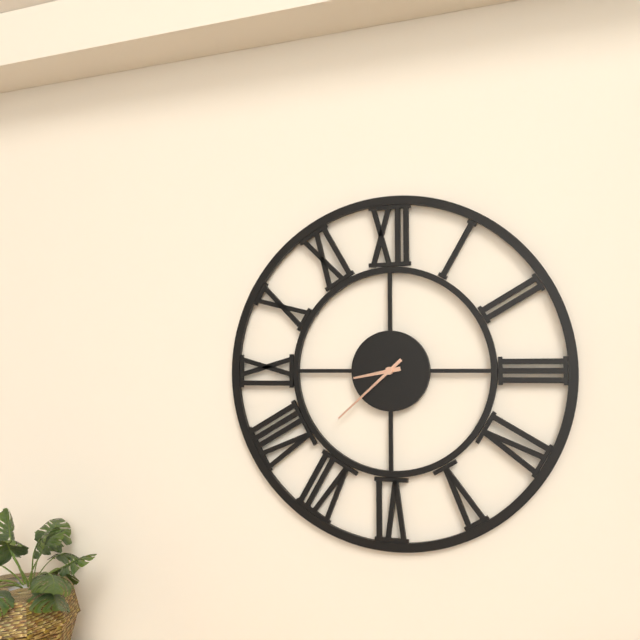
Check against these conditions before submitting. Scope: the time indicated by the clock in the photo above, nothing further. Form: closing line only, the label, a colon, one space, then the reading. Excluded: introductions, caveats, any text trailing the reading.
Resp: 8:38
